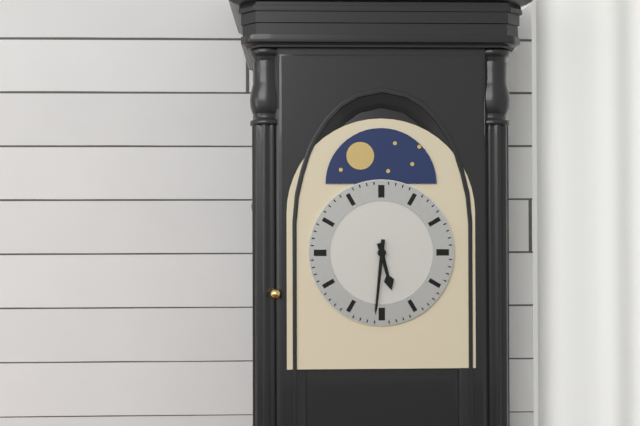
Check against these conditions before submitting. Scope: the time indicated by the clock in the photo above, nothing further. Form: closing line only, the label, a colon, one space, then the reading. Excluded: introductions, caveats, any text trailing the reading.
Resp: 5:31
